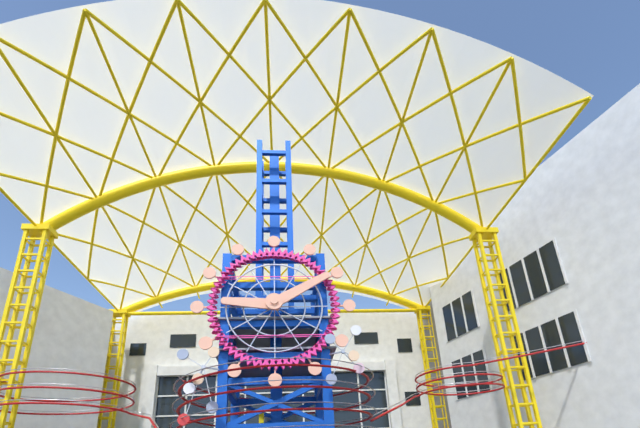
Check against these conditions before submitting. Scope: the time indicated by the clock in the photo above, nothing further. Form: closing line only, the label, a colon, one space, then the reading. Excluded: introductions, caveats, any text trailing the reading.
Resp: 9:10
